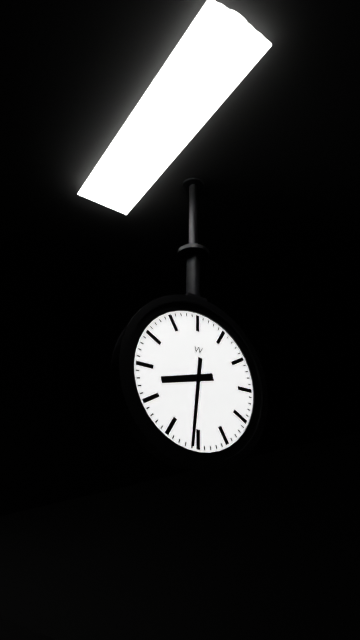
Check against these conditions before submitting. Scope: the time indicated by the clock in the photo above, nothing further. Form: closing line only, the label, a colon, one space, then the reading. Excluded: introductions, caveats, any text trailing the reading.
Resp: 8:31
